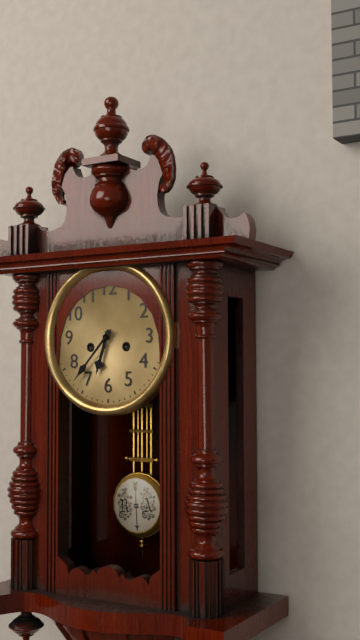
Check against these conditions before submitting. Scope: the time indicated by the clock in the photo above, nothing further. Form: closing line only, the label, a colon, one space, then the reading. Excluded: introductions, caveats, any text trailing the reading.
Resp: 6:37
